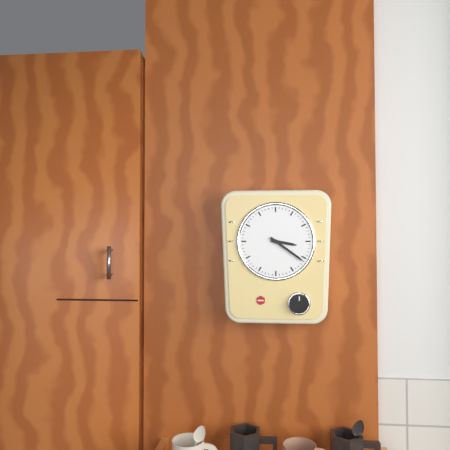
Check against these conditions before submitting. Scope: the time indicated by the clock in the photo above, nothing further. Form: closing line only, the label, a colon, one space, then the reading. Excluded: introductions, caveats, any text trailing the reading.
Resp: 3:21
